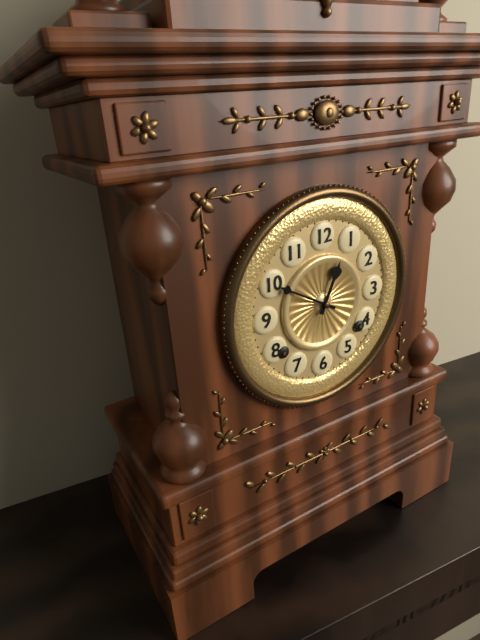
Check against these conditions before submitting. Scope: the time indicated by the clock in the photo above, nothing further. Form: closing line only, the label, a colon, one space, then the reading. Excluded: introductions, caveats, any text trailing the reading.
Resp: 12:50
